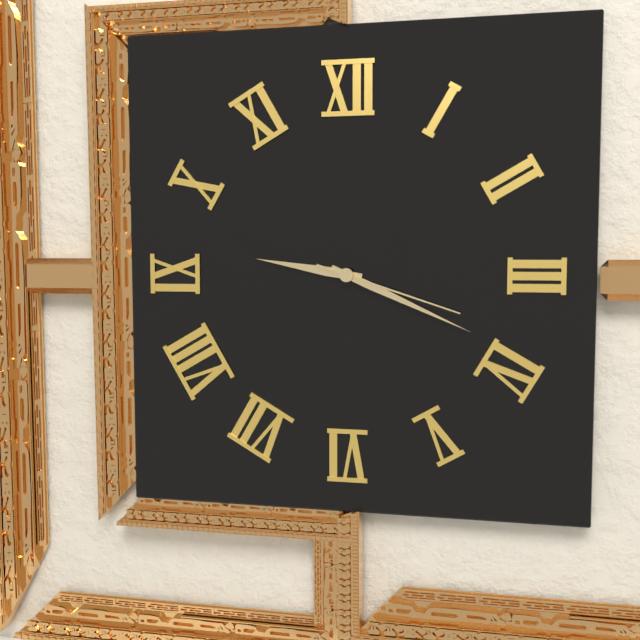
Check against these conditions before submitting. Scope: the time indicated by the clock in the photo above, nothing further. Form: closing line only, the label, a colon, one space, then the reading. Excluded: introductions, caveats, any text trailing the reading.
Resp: 9:19:18
